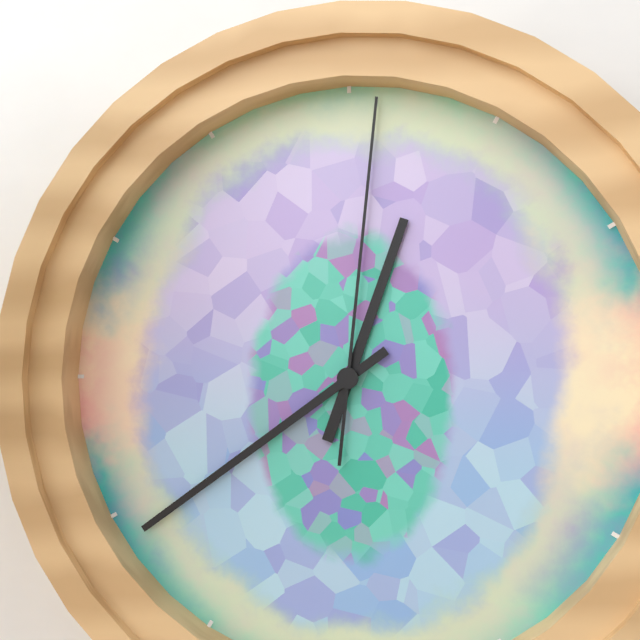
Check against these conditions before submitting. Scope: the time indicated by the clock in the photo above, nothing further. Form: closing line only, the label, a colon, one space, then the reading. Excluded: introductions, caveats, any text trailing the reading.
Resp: 12:39:01
